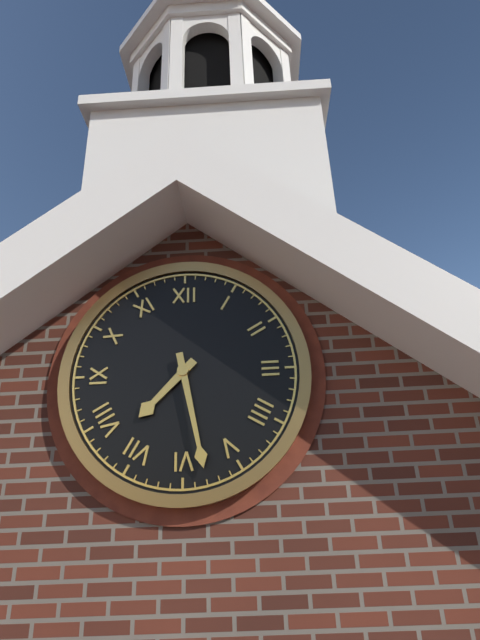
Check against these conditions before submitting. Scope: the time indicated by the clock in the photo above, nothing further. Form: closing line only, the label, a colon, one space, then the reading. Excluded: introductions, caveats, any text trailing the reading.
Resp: 7:28
